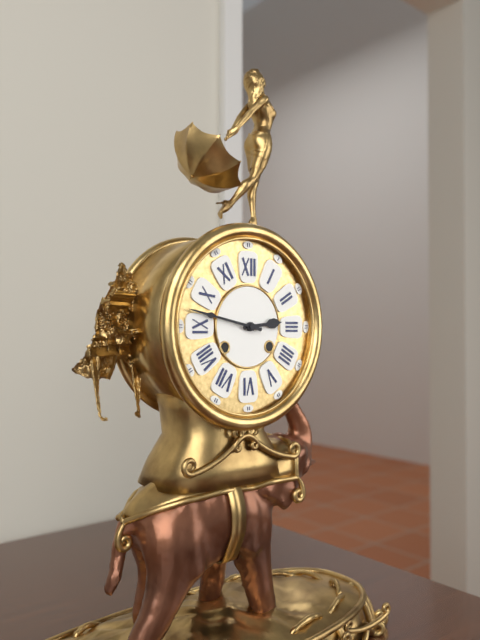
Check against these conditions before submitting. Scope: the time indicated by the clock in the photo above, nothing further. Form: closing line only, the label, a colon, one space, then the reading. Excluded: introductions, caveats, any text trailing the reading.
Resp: 2:47
